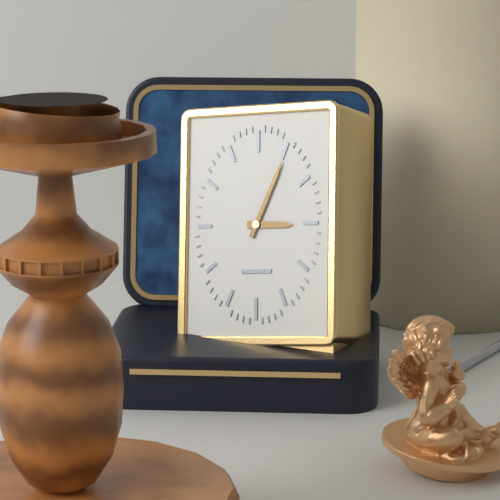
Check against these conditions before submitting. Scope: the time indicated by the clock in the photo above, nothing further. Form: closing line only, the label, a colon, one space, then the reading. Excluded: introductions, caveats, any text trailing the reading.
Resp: 3:04
